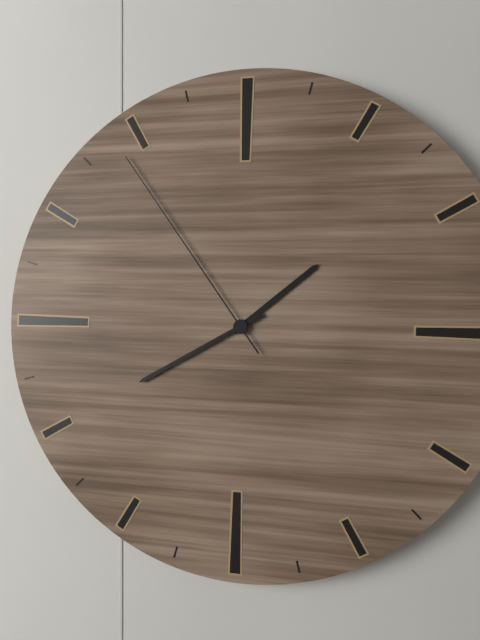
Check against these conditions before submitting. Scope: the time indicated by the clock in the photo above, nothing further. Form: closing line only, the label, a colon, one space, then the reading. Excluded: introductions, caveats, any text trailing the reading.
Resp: 1:40:54
